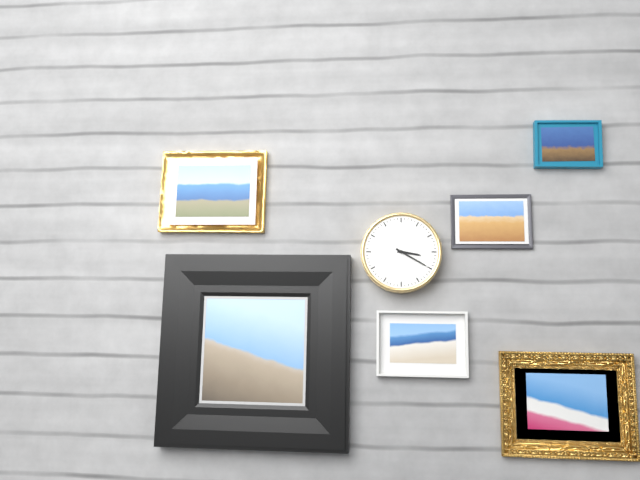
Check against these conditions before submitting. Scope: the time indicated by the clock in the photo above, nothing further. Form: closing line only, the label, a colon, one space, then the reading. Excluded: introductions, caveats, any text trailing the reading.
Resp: 3:20
